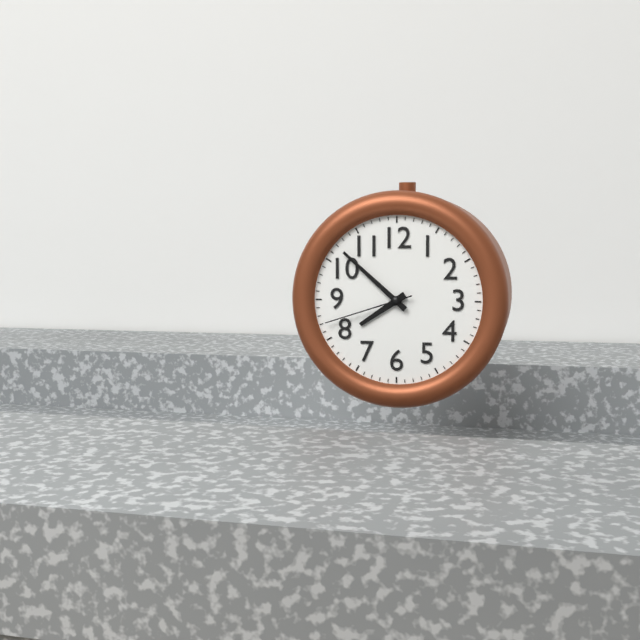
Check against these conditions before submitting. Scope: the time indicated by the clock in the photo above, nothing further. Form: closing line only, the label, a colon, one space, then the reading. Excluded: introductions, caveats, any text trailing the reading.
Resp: 7:52:42
